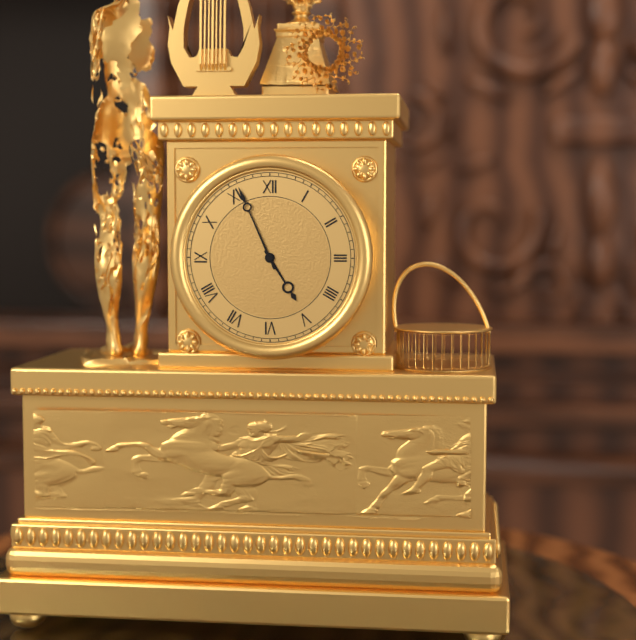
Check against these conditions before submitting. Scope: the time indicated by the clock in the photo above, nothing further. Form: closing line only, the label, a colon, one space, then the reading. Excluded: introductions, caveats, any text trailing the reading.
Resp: 4:56
